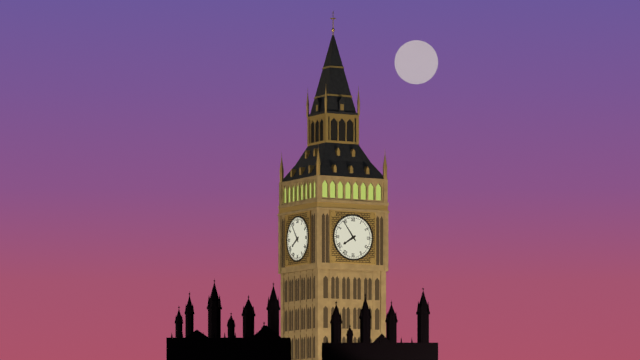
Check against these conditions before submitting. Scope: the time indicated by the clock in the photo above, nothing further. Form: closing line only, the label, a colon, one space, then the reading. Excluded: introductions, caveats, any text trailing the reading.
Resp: 7:54
